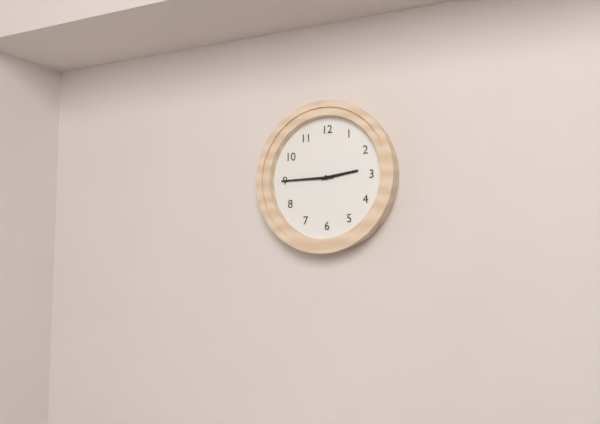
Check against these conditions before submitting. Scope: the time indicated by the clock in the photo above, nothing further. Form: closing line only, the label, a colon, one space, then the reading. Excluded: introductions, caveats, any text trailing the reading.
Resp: 2:45
